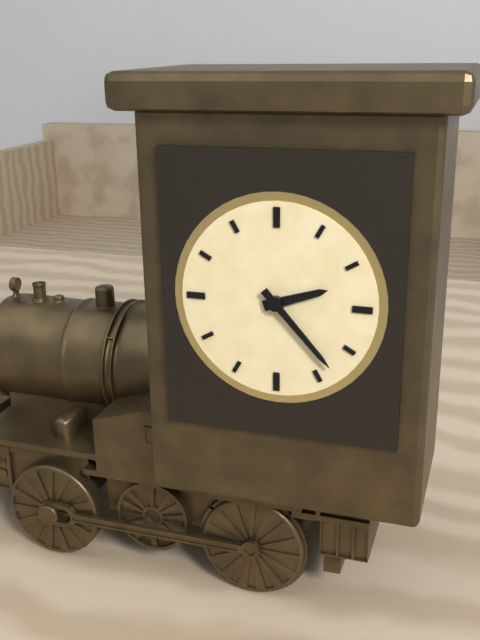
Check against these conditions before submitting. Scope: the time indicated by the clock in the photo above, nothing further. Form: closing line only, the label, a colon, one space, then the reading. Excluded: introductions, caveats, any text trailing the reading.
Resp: 2:23
